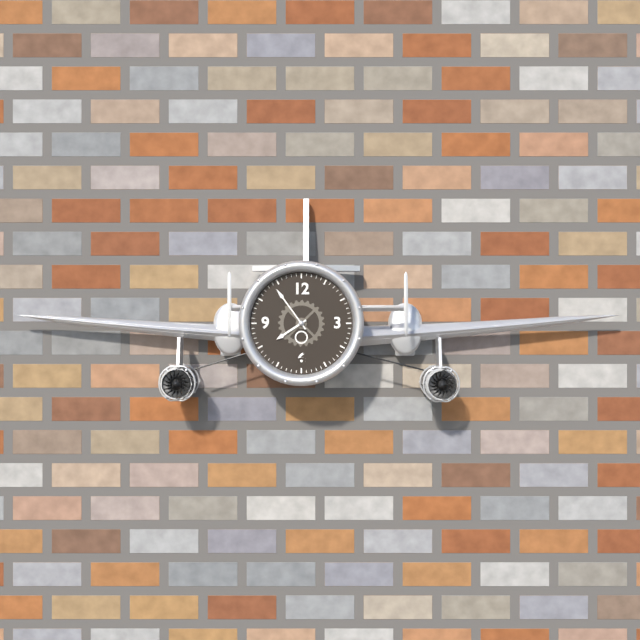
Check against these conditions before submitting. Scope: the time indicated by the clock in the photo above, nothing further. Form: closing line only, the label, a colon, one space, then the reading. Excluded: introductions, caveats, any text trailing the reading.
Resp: 7:54
